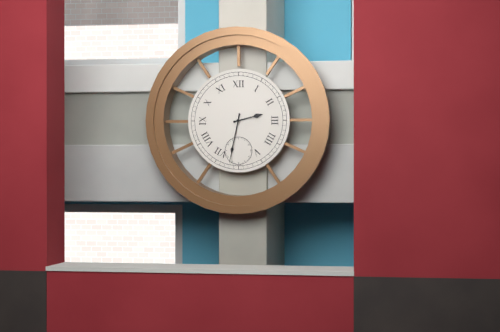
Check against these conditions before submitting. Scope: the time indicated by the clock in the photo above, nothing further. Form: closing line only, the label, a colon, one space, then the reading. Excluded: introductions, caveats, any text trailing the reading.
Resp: 2:32
